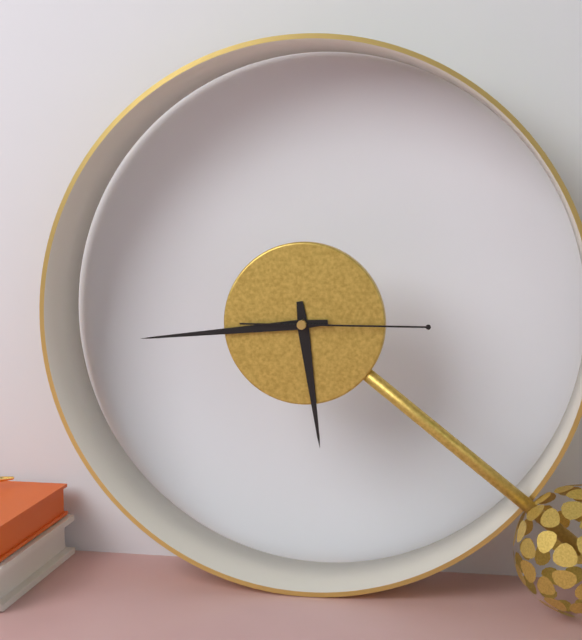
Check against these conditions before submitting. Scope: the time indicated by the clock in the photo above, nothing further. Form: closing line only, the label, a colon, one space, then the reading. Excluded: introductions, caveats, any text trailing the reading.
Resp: 5:44:15
